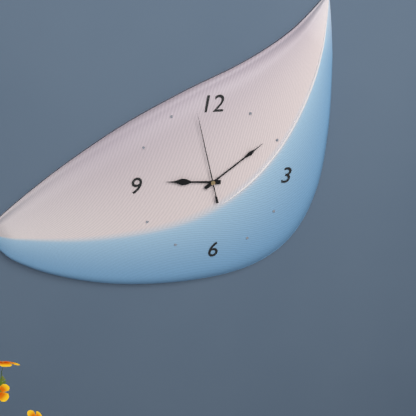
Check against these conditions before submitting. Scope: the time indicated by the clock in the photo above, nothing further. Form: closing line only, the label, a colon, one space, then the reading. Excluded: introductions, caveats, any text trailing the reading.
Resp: 9:09:58
